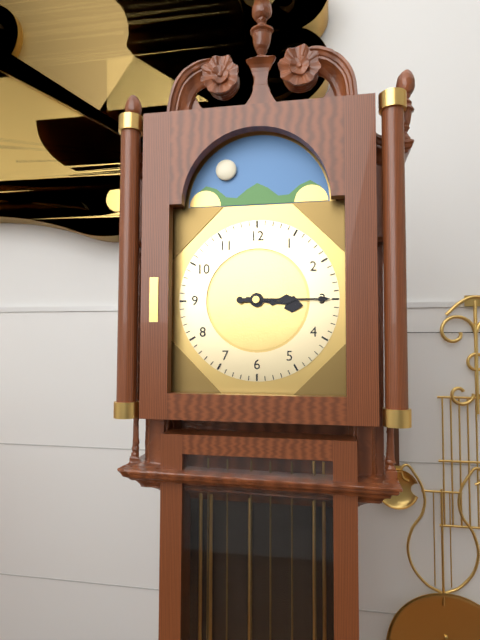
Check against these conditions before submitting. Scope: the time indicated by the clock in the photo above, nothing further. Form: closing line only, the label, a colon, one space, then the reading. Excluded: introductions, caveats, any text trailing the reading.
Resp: 3:15
